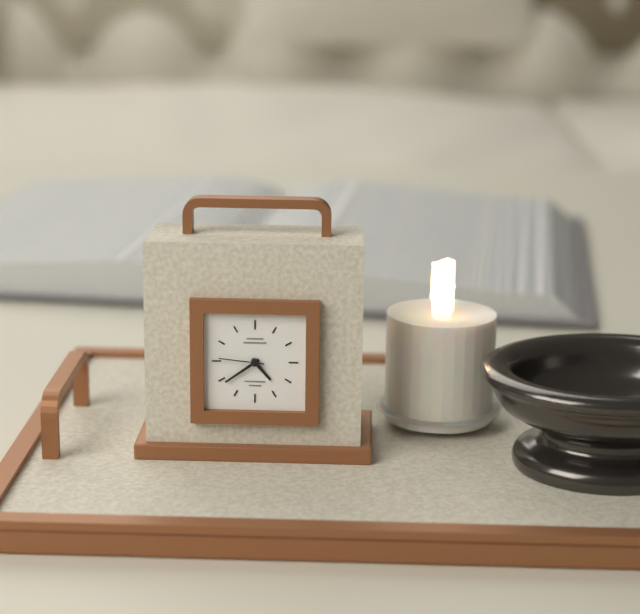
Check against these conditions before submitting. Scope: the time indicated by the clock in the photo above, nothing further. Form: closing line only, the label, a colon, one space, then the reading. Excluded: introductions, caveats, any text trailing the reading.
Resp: 4:39
